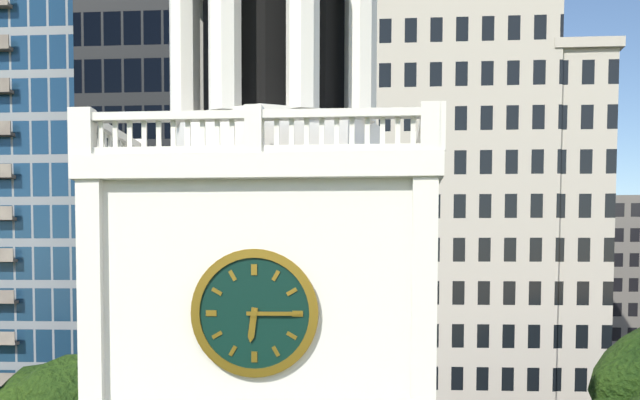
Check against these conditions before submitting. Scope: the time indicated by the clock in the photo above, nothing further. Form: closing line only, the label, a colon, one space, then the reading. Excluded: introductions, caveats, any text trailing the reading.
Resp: 6:15
